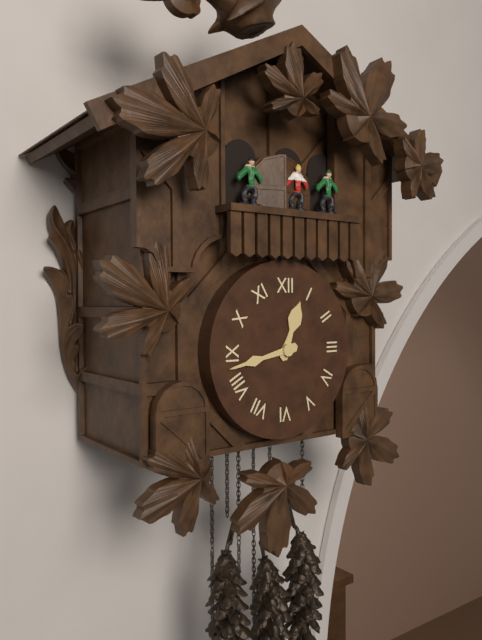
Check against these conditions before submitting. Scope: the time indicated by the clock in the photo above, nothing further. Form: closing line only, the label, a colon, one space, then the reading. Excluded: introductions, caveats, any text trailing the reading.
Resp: 12:43
